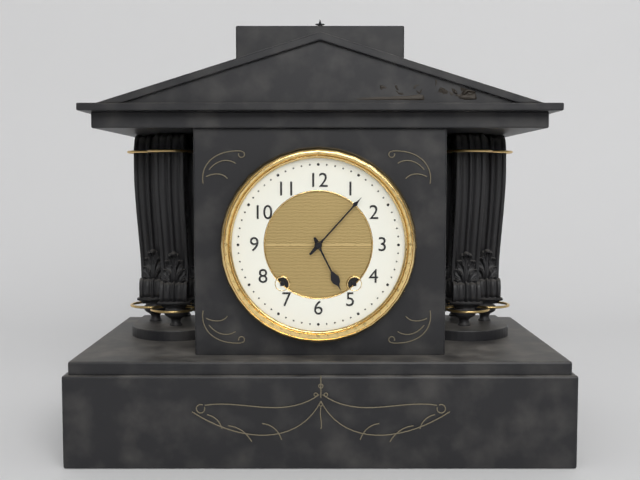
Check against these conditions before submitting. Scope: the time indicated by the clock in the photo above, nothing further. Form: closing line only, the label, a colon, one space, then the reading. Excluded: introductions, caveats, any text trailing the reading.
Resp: 5:07
